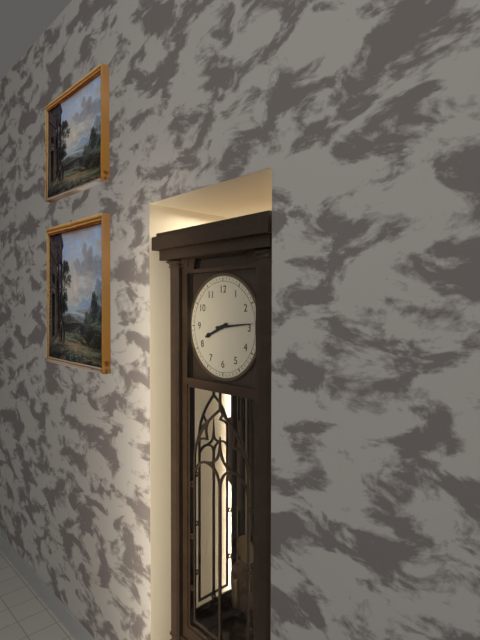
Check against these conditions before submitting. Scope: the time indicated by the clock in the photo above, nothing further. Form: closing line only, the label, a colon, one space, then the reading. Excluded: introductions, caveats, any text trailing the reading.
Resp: 8:14
